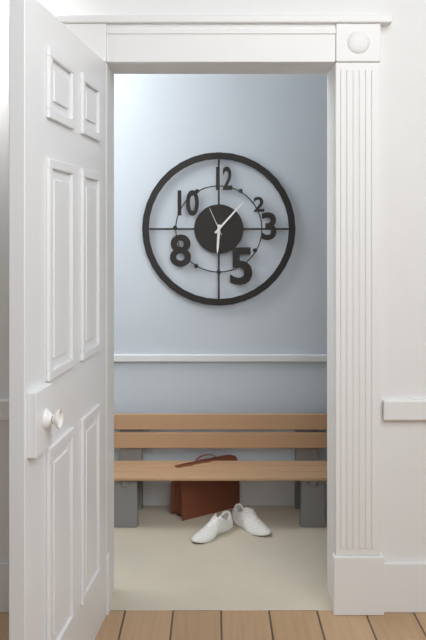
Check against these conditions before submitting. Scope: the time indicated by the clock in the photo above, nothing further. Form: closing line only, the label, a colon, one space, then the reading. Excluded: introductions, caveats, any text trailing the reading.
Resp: 6:07
